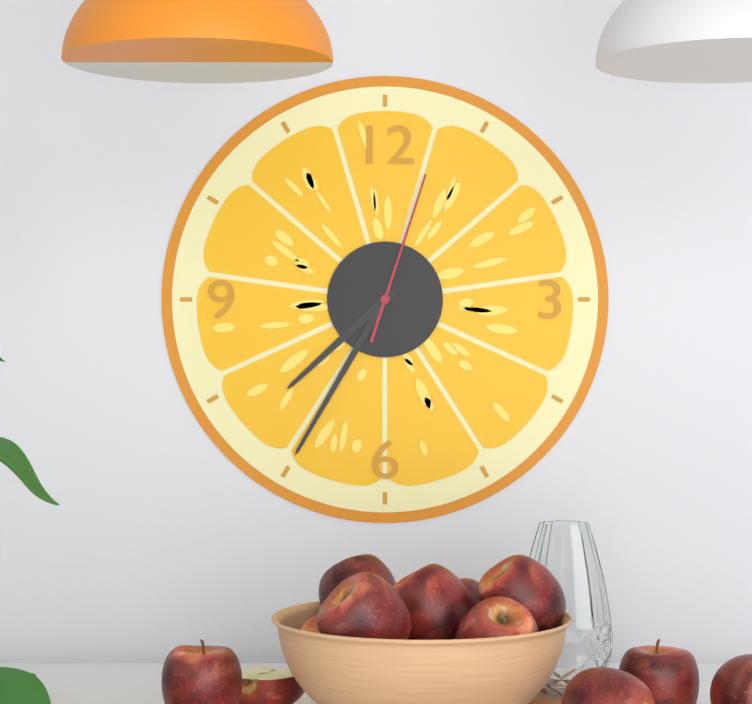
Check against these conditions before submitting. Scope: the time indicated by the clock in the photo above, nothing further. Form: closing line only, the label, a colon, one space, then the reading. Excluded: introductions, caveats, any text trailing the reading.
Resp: 7:35:03
